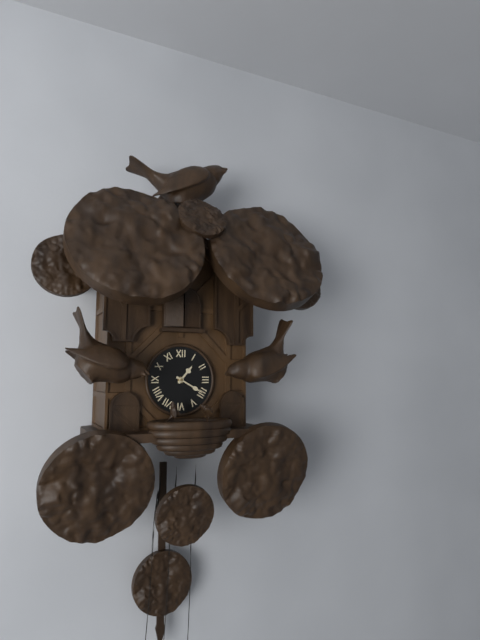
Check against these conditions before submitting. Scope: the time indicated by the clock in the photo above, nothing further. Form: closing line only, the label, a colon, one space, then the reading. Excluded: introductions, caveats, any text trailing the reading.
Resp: 1:20
